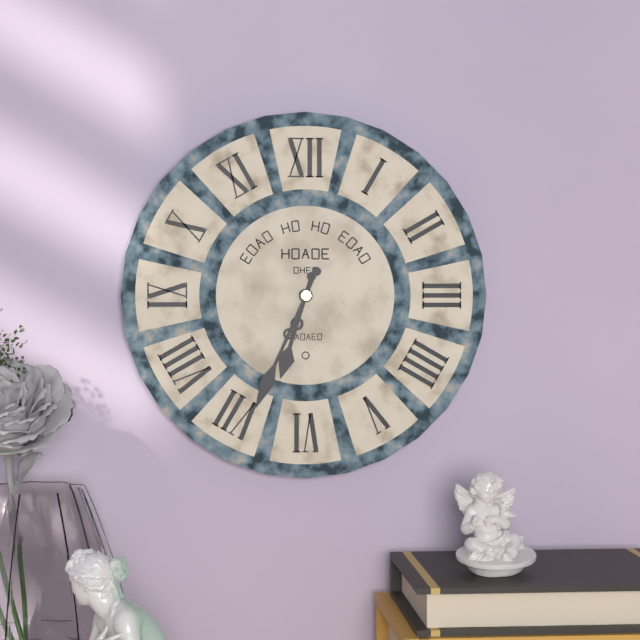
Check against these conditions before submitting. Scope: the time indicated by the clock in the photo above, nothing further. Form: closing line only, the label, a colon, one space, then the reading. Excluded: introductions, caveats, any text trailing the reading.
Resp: 6:34
